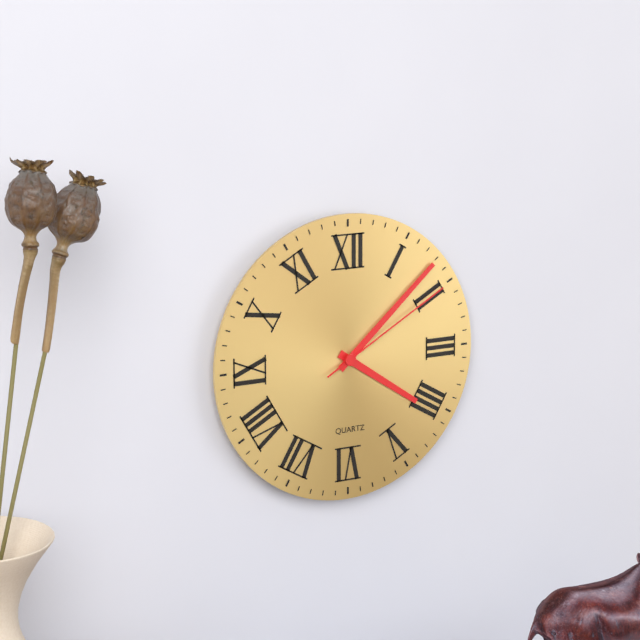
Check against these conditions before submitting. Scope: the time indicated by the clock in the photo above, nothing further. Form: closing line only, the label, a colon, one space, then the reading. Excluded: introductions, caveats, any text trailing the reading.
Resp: 4:08:10
